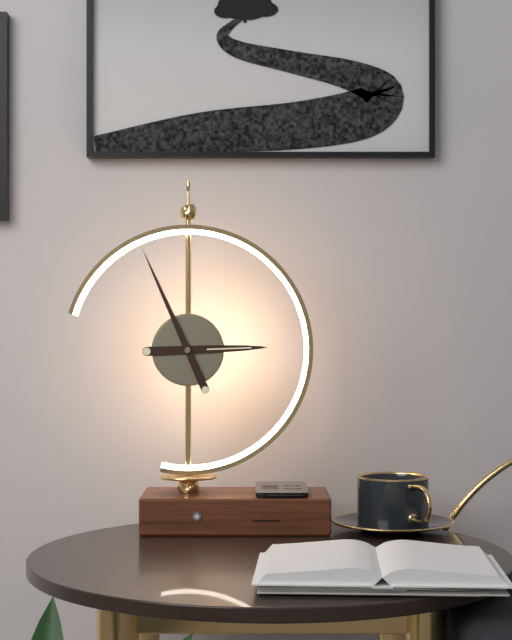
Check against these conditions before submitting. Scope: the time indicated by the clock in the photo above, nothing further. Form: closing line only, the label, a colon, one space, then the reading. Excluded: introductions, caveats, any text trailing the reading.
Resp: 2:56
